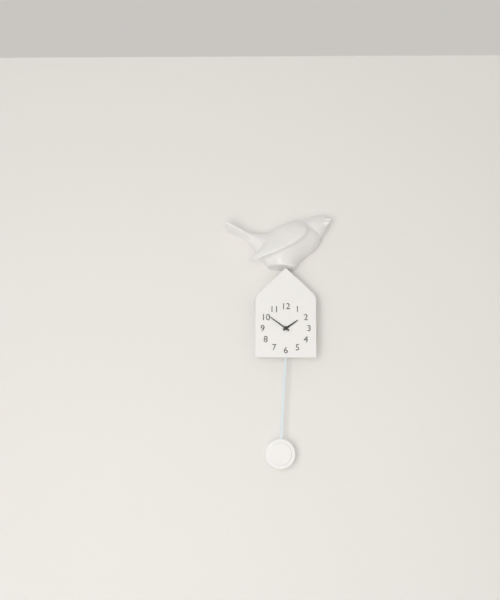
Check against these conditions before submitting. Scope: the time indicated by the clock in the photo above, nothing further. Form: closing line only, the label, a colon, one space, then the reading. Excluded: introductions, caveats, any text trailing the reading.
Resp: 1:51
